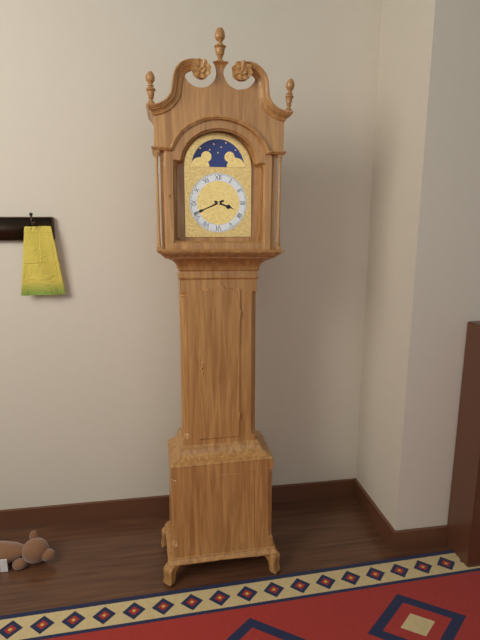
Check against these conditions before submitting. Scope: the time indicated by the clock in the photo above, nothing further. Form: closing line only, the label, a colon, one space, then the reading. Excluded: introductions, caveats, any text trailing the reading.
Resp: 3:41
